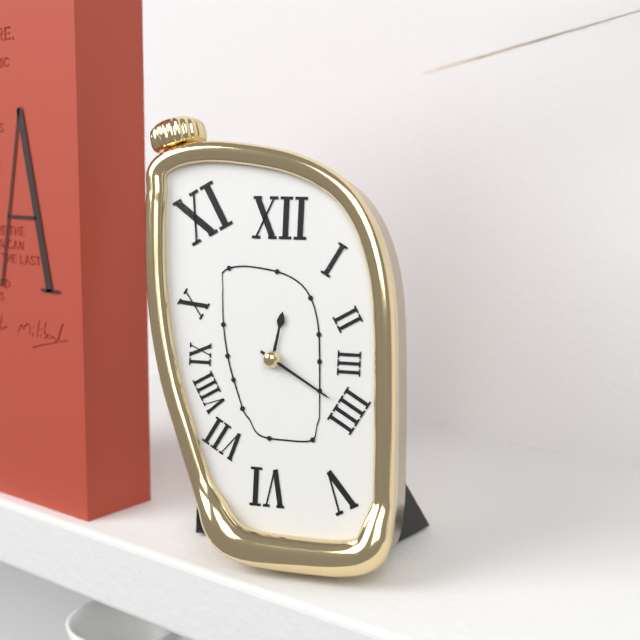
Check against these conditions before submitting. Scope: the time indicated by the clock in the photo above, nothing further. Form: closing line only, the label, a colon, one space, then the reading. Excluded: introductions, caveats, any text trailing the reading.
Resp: 12:20
